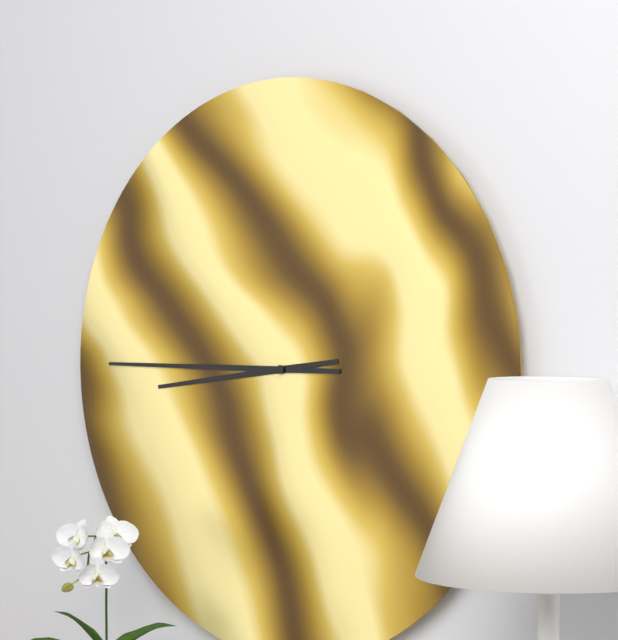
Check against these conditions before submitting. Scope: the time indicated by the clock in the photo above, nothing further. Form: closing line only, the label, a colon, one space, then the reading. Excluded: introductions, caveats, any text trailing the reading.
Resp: 8:45
